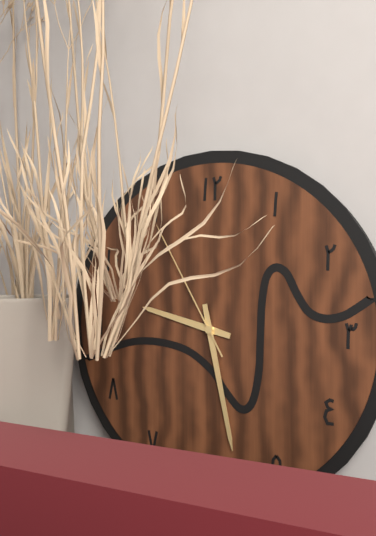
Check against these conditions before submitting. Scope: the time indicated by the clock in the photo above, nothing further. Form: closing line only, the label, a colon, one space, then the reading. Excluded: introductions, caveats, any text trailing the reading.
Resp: 9:28:55
